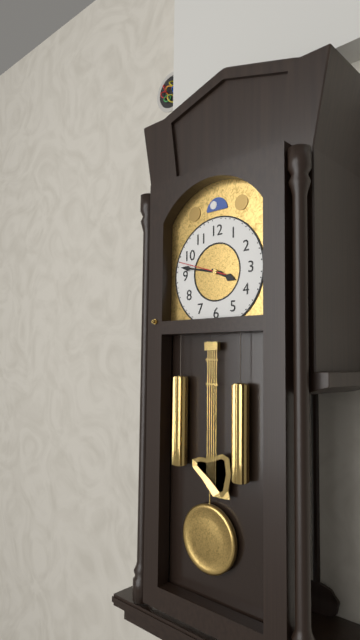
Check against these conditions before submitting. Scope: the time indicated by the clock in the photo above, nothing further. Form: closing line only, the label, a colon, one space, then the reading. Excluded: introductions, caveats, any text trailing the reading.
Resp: 3:47
